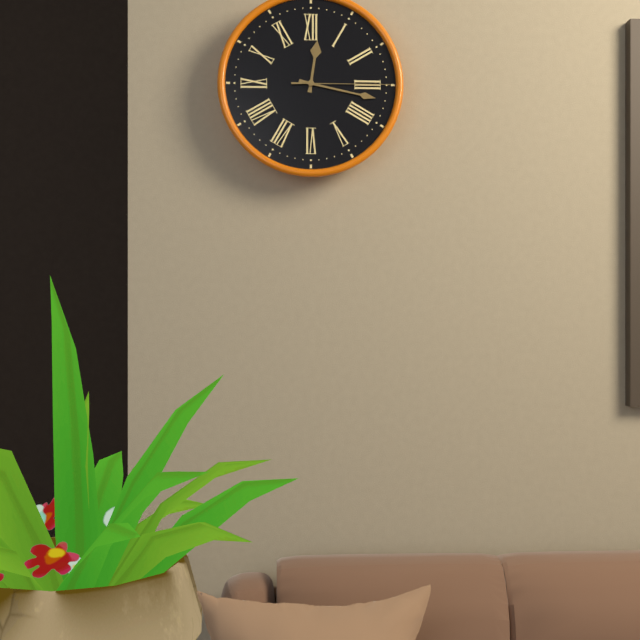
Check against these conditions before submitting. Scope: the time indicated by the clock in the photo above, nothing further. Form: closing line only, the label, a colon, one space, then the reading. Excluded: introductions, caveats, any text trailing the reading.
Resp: 12:17:15
